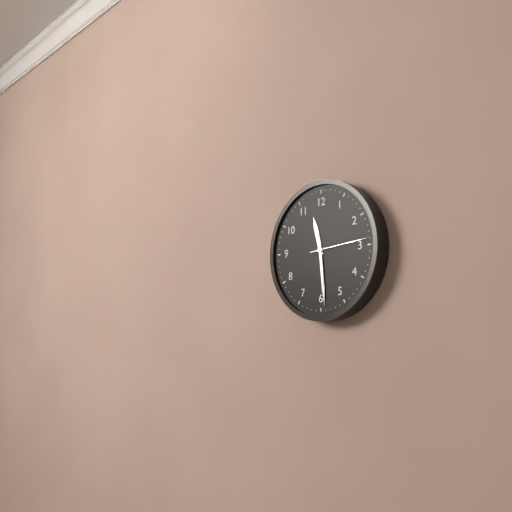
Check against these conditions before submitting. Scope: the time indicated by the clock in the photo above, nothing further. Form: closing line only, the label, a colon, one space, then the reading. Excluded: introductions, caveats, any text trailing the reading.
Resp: 11:29:14
